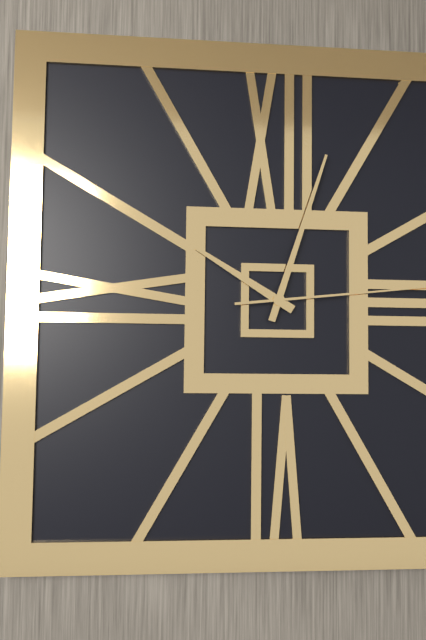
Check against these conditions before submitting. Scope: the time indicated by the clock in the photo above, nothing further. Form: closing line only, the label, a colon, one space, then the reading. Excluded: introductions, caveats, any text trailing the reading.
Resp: 10:03
